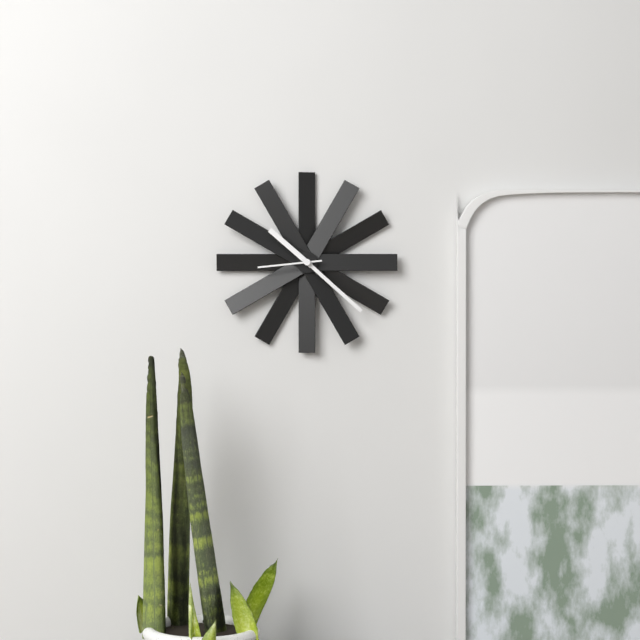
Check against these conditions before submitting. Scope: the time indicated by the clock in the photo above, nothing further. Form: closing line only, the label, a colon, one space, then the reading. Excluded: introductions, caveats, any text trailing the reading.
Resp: 10:22:44
